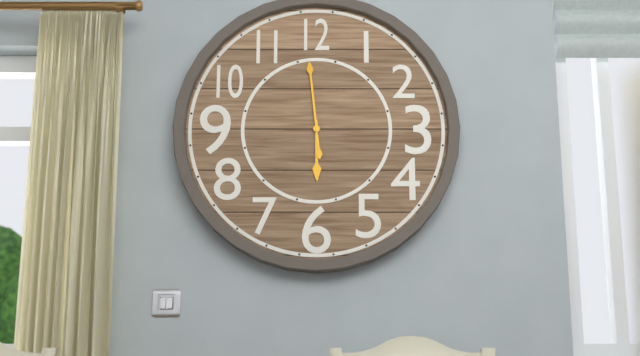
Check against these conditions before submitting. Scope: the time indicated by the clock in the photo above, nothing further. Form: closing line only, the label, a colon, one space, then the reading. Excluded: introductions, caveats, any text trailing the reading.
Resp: 5:59
